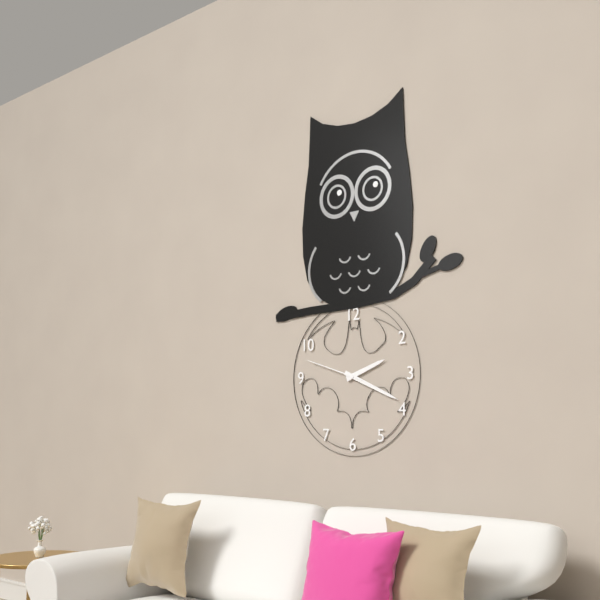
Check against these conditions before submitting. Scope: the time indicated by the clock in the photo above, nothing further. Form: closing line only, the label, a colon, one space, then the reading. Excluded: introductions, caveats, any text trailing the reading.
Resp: 2:19:48
